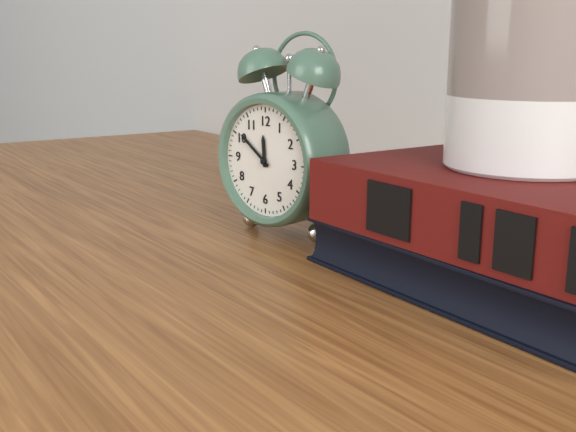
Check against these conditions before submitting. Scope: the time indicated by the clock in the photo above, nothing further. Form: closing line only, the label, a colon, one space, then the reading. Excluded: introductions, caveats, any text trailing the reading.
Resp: 11:51
